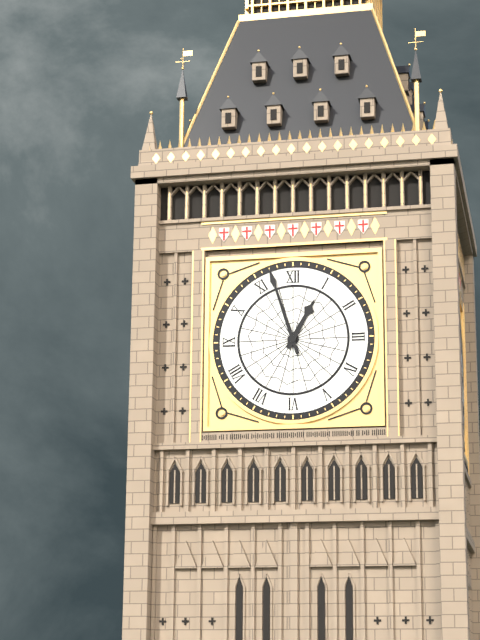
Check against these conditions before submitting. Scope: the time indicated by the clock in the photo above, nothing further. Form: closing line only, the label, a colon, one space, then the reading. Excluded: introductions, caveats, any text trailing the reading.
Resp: 12:57
